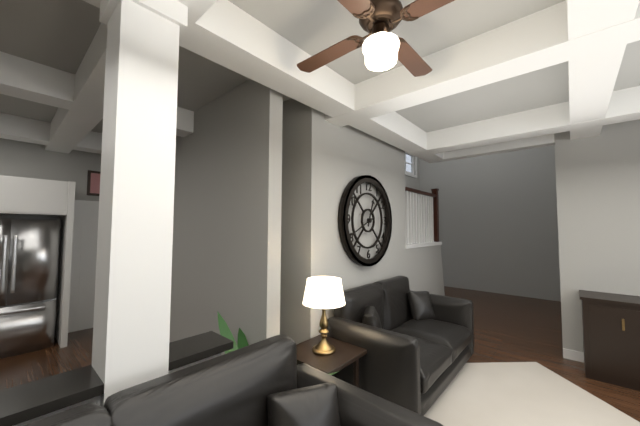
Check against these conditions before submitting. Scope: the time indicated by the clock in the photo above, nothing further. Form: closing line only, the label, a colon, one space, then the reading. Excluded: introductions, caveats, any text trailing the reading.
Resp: 12:41
